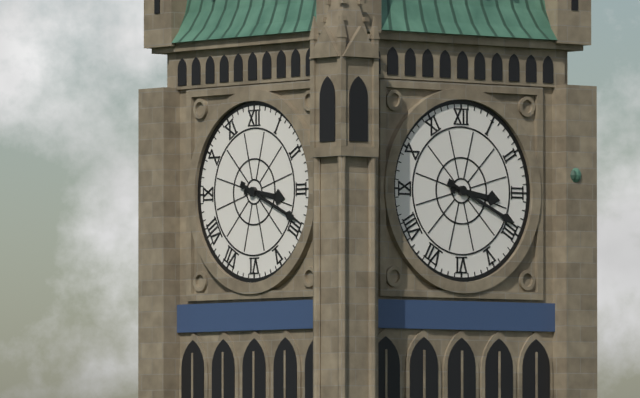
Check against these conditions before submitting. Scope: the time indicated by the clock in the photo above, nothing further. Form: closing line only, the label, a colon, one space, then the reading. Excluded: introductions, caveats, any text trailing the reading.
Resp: 3:19
